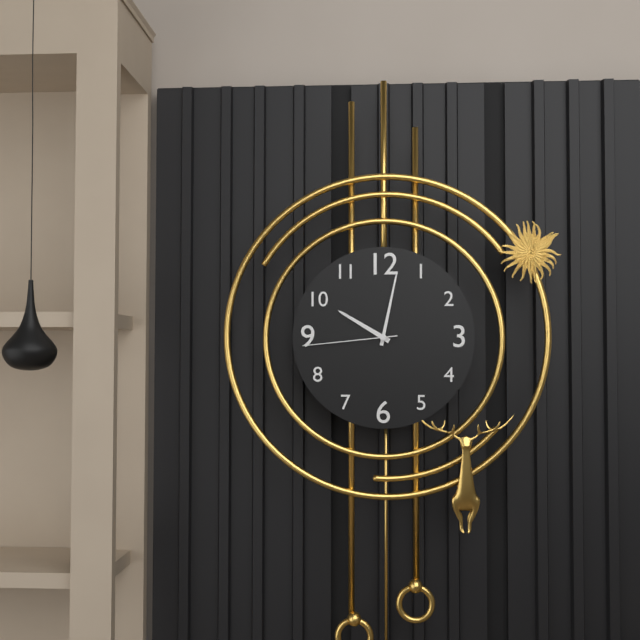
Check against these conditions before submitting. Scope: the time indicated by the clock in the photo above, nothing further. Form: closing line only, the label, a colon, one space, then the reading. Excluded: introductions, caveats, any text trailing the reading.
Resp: 10:02:44
